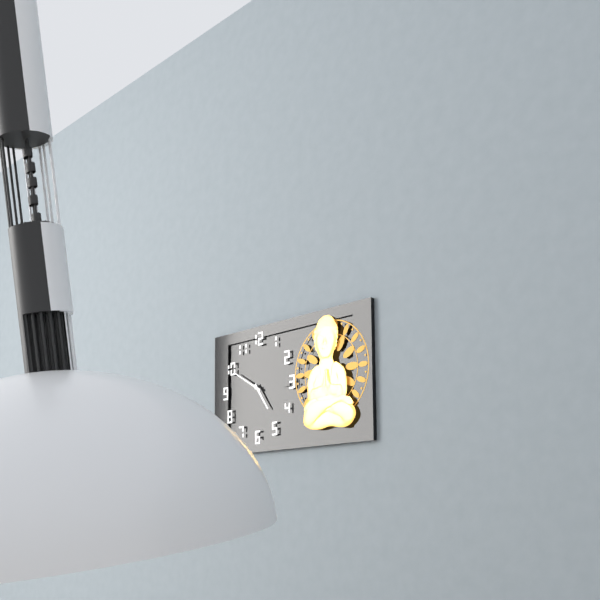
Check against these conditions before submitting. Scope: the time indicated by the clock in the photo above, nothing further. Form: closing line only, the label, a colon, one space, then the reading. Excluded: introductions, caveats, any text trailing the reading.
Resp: 4:50
